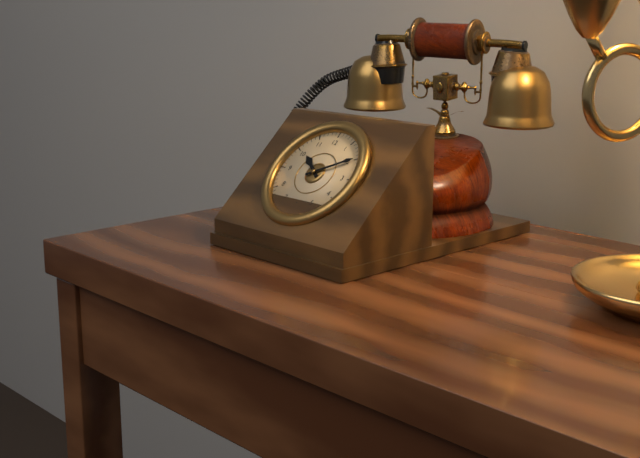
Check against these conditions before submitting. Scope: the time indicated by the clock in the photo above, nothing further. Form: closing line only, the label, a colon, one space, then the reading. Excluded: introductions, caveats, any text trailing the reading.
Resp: 10:10
